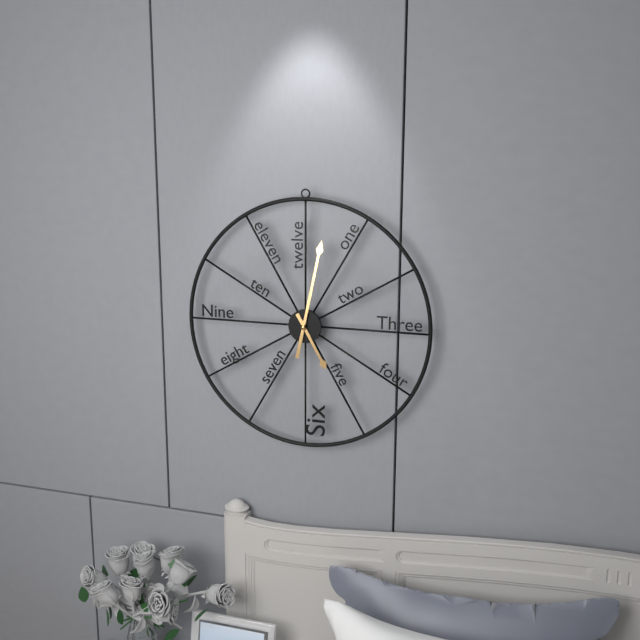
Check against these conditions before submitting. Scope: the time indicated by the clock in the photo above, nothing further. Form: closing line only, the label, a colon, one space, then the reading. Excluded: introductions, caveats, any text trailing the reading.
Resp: 5:02
